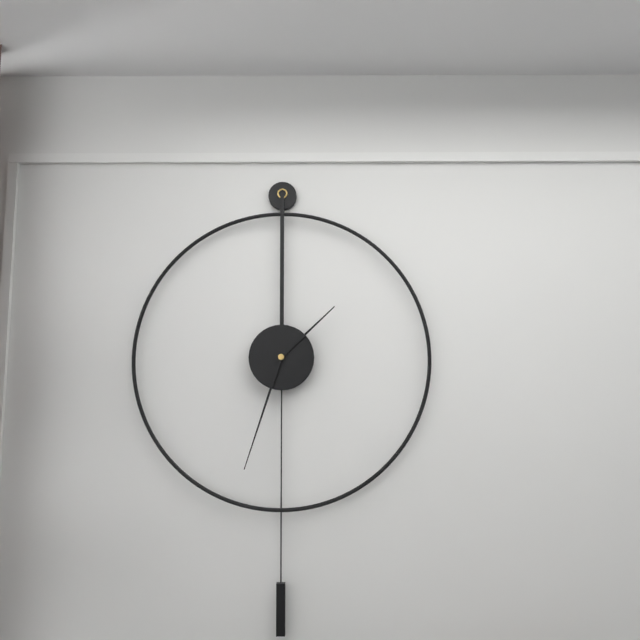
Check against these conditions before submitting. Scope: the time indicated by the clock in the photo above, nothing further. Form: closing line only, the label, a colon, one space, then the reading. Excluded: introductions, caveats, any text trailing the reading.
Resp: 1:33
